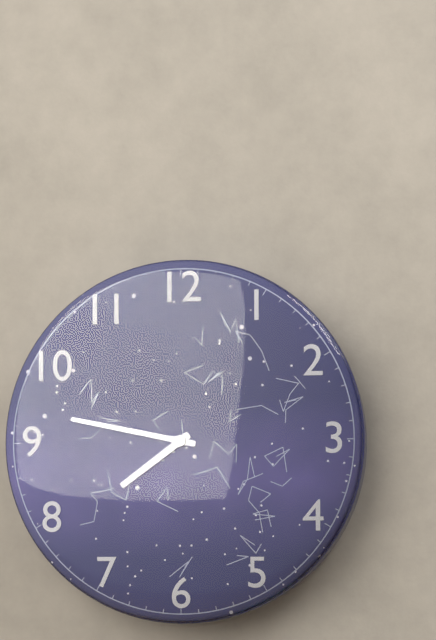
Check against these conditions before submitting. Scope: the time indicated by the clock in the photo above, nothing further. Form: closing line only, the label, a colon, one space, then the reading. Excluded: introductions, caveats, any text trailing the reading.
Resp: 7:47
